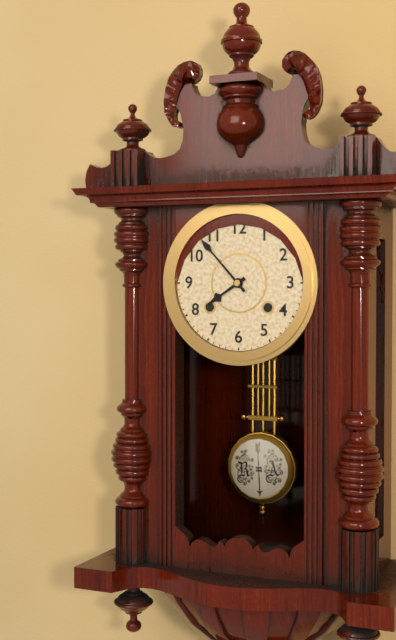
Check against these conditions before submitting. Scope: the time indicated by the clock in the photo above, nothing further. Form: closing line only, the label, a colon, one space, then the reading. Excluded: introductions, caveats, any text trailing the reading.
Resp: 7:53
